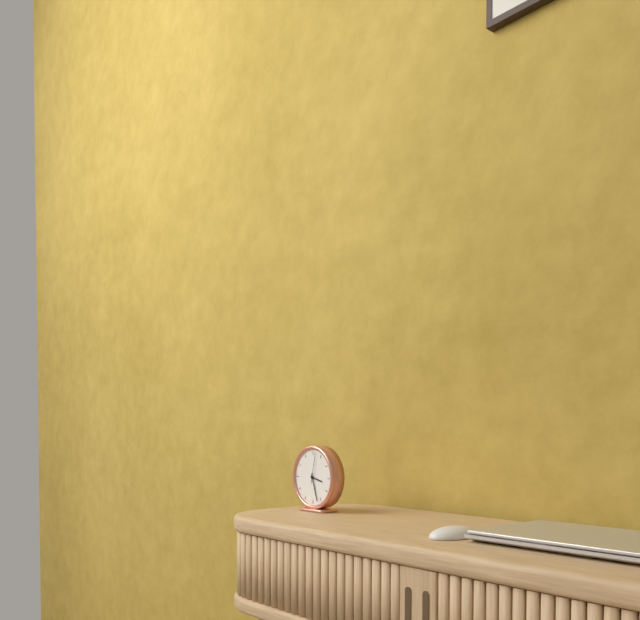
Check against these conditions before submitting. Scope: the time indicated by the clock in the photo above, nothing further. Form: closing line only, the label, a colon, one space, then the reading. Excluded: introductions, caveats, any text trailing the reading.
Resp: 3:27
